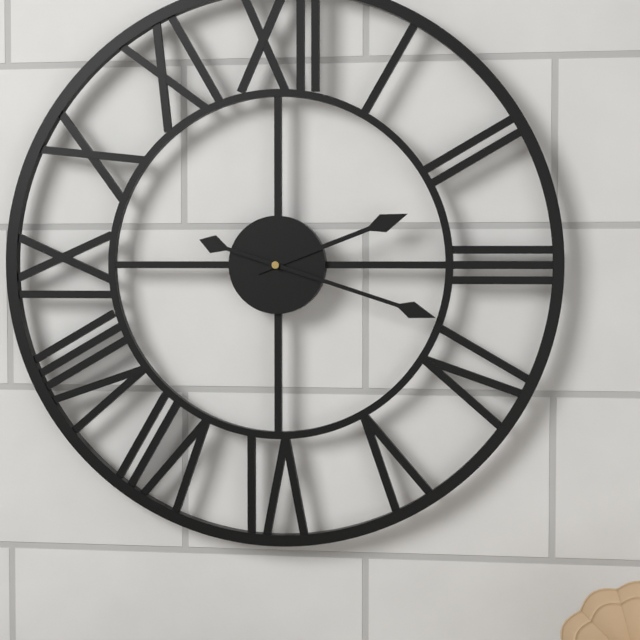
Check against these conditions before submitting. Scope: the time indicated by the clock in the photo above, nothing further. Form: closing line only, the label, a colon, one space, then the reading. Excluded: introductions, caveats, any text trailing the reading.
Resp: 2:18
